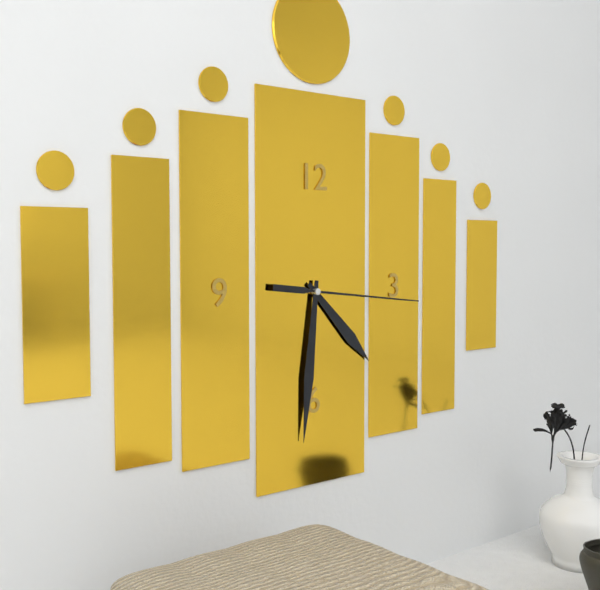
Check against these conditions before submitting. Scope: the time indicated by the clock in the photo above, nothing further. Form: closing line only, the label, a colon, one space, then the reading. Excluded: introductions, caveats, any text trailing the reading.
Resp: 4:31:16
